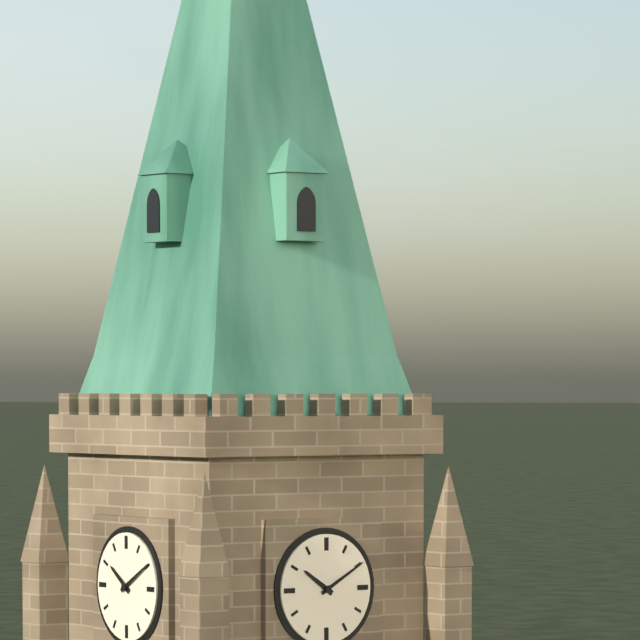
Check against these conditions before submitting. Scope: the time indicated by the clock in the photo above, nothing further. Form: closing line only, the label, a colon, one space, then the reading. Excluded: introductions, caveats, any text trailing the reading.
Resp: 10:10
